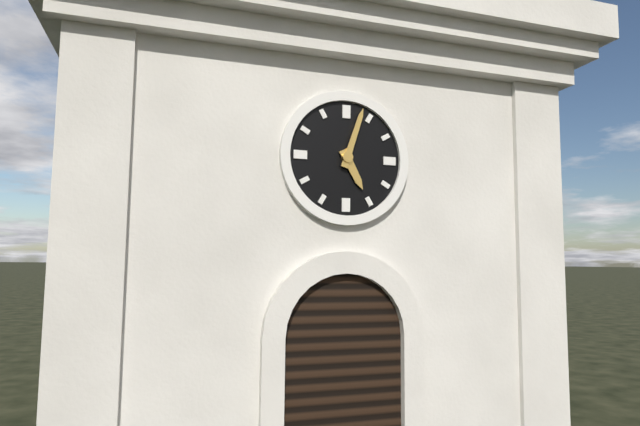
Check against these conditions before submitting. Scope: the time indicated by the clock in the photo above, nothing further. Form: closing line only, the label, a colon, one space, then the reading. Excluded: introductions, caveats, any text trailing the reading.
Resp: 5:03
